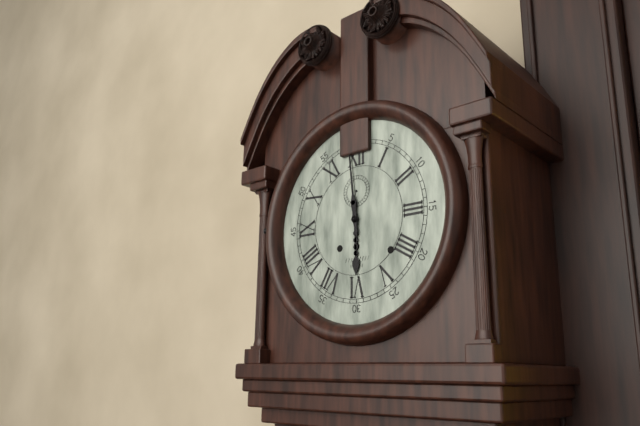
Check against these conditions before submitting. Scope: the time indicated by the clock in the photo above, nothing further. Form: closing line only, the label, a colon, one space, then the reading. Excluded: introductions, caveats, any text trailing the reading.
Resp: 5:59
